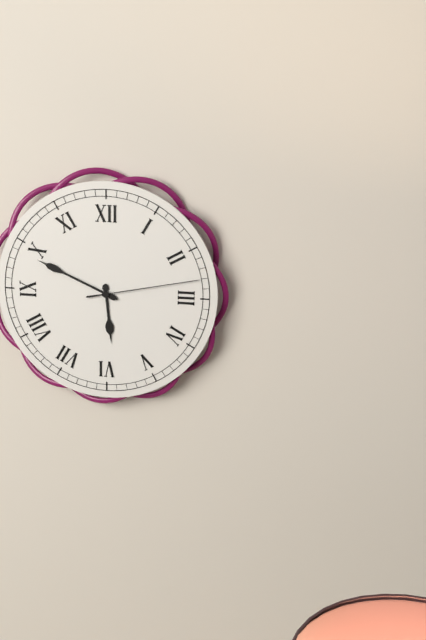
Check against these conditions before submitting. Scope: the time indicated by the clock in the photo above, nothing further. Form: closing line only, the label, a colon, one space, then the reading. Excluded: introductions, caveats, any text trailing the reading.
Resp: 5:49:13
